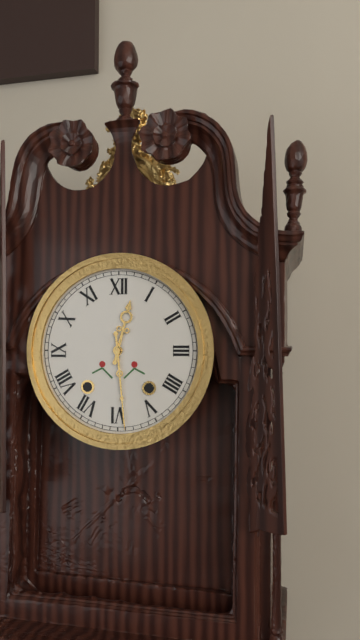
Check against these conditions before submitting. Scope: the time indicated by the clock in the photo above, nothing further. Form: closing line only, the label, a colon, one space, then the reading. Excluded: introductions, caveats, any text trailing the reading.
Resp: 12:29
